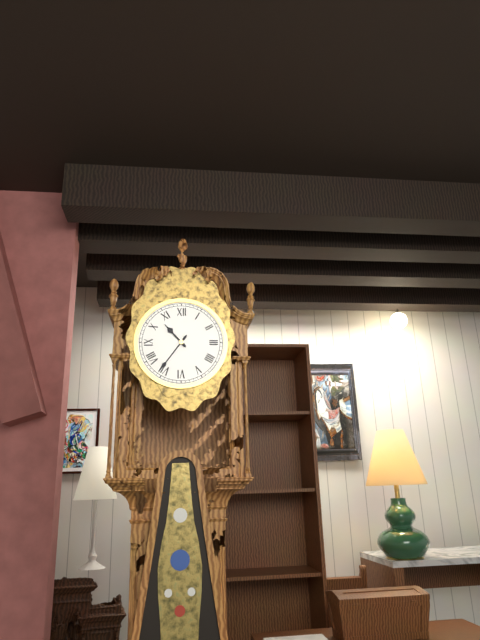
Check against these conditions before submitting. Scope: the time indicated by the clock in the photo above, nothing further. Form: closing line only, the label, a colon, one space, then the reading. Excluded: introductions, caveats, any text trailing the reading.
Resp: 10:36
